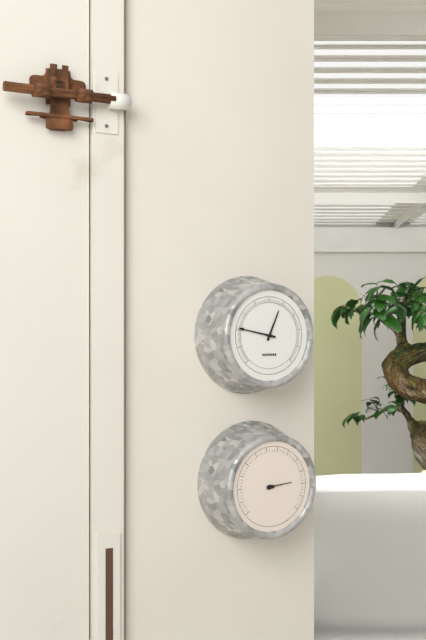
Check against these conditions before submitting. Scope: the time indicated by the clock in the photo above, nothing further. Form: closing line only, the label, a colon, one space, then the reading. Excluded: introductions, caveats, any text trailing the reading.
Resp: 12:47
